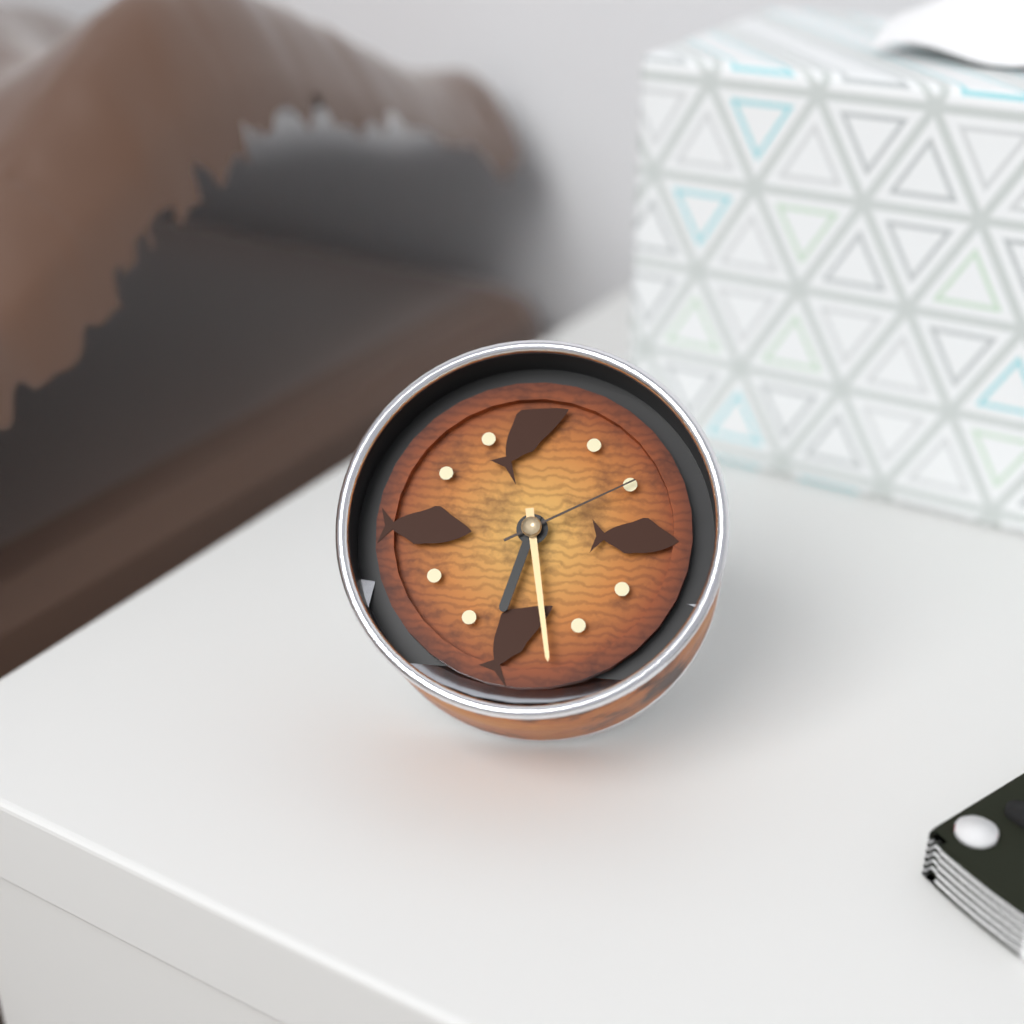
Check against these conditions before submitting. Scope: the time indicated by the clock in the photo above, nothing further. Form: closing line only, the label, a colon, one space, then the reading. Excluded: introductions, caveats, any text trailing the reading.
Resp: 6:28:10
